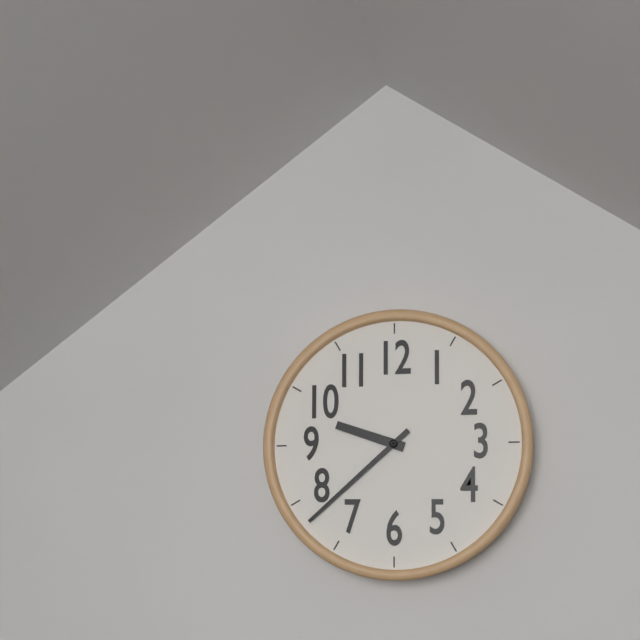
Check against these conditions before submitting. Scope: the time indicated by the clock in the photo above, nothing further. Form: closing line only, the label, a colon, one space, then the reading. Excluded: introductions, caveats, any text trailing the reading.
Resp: 9:38
